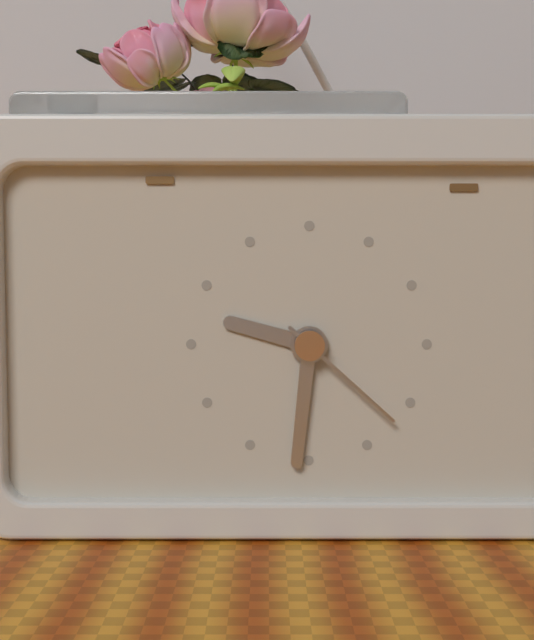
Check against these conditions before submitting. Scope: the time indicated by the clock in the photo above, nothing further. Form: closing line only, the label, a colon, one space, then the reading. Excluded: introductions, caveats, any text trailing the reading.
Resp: 9:31:22
